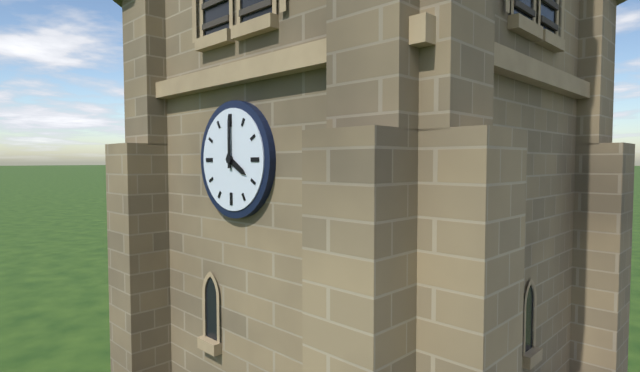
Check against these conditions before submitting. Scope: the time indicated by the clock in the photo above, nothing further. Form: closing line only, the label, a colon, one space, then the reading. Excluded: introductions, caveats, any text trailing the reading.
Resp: 4:00
